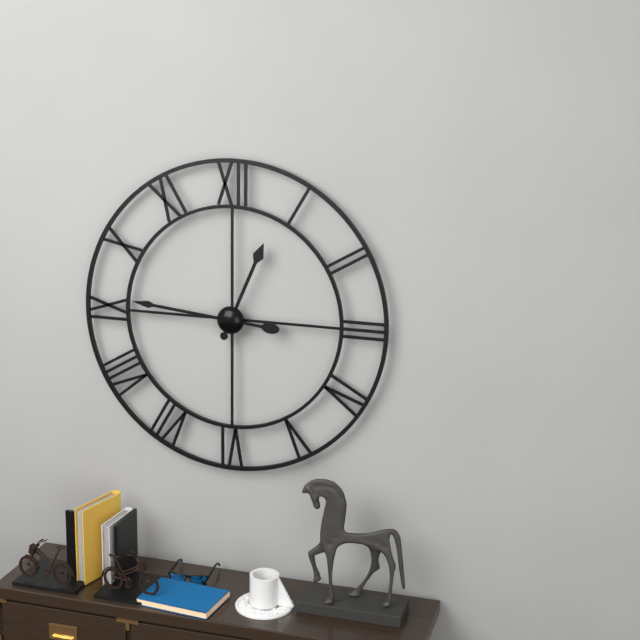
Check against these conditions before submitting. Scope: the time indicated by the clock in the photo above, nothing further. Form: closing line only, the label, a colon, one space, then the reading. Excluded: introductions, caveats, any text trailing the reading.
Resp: 12:46
